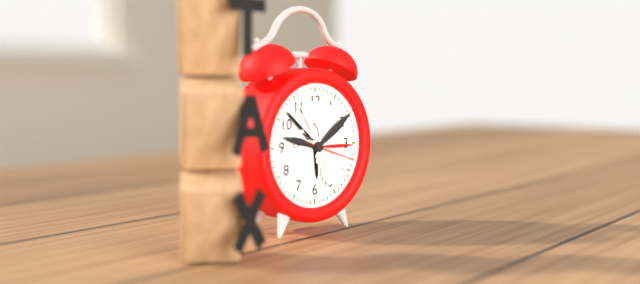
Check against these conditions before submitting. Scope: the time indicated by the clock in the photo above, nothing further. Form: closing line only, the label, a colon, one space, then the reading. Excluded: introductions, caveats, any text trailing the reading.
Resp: 5:52:18
